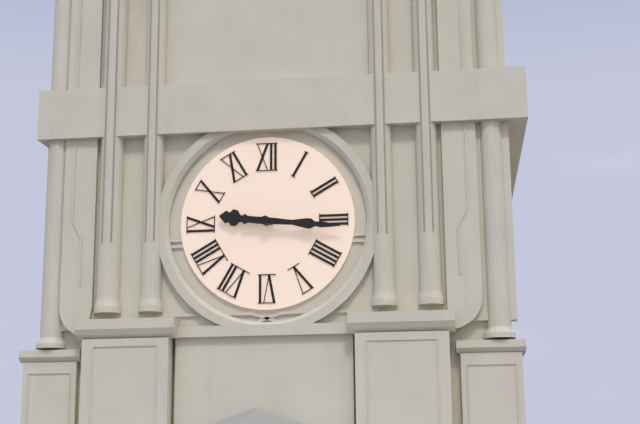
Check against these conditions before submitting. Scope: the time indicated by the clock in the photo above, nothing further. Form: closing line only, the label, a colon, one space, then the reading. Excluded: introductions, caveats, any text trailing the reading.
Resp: 9:16
